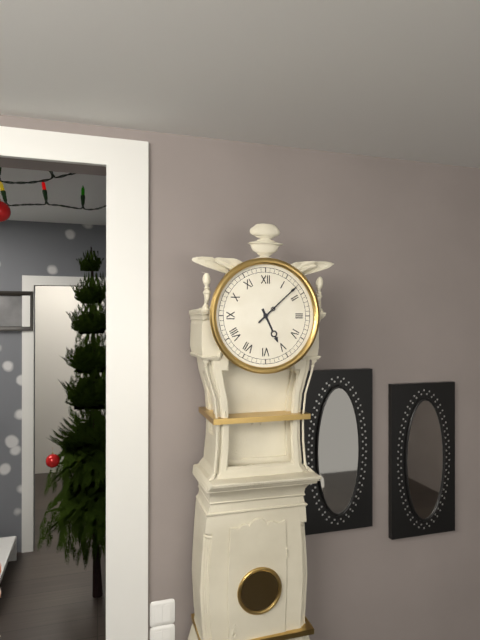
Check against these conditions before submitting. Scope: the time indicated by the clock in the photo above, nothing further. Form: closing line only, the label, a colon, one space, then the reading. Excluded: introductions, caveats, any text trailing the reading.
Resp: 5:08
